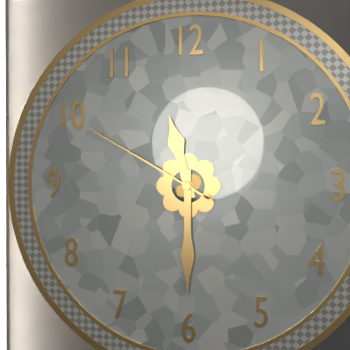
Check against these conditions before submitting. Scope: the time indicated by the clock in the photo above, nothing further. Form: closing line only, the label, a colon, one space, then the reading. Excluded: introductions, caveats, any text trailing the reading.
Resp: 11:30:50
